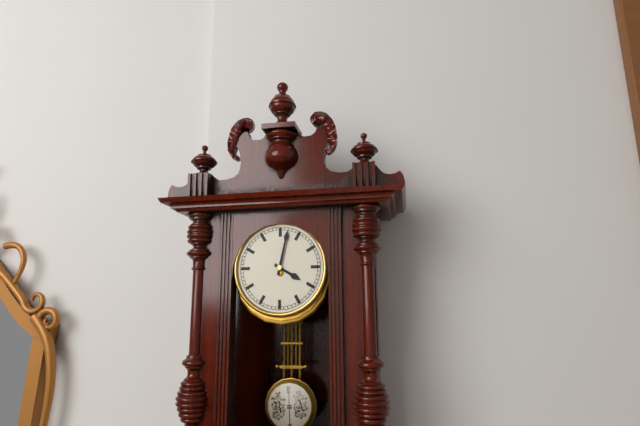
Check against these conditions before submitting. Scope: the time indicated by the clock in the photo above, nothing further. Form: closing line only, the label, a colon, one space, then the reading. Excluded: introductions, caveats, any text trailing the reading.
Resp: 4:02
